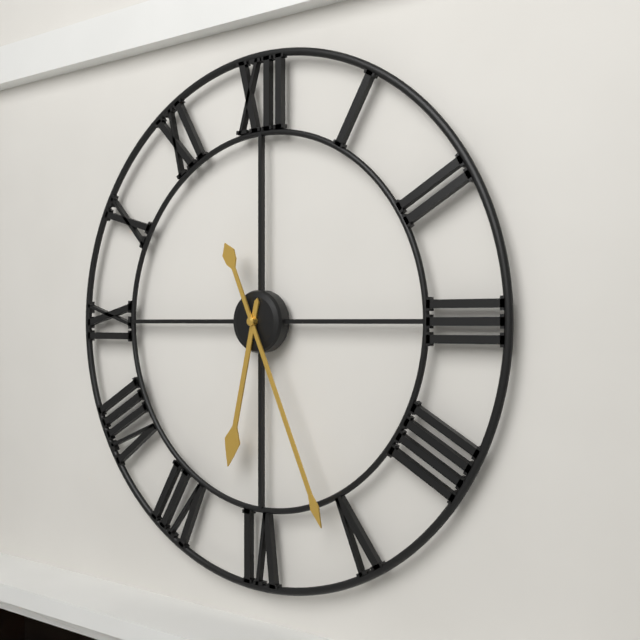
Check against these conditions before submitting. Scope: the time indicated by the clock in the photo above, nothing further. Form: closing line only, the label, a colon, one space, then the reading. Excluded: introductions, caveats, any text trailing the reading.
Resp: 6:26
